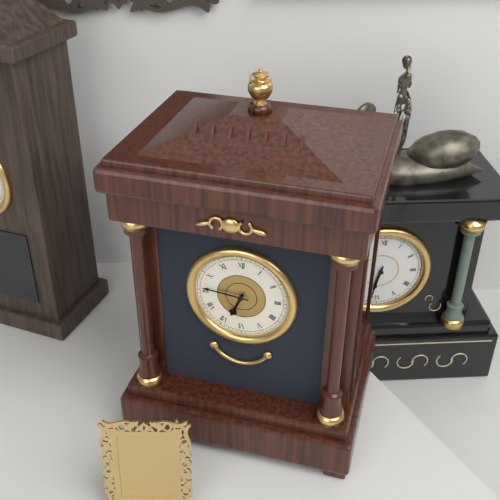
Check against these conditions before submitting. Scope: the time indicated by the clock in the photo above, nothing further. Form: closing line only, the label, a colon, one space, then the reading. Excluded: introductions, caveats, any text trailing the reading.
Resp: 6:46
